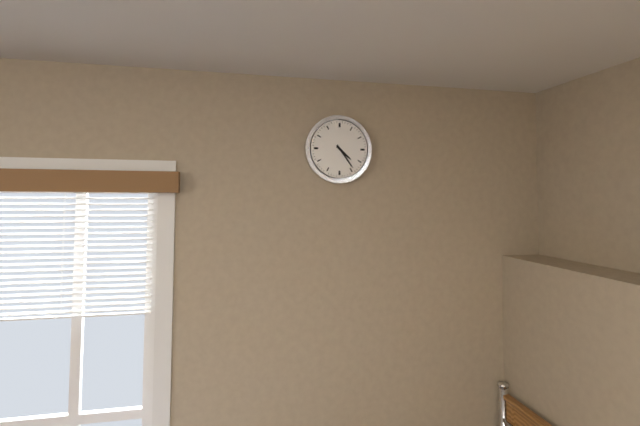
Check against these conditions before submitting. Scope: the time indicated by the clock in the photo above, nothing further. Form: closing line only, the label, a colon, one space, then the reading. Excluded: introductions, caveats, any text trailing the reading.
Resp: 4:24
